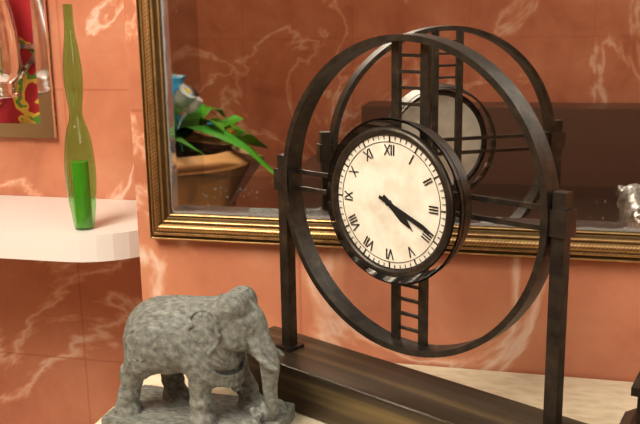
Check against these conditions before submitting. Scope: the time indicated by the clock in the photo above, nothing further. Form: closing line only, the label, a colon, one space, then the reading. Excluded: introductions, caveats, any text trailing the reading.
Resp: 4:19
